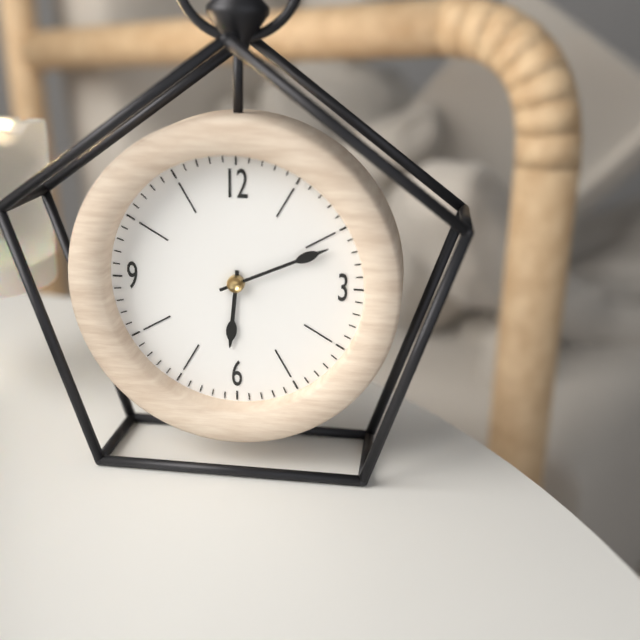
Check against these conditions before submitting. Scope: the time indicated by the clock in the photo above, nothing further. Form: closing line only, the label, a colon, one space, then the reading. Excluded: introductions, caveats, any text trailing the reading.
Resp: 6:11
